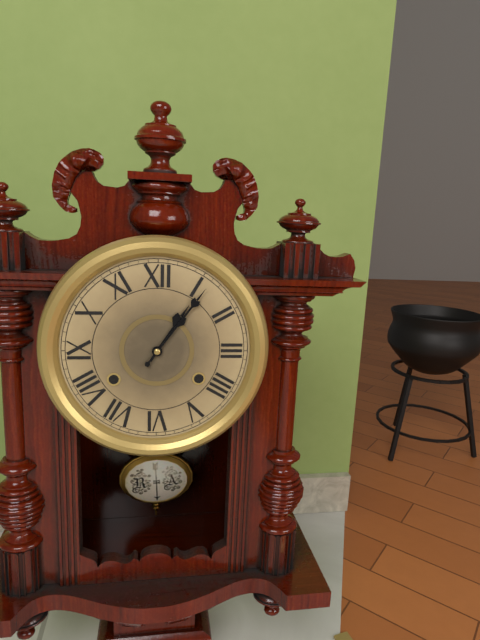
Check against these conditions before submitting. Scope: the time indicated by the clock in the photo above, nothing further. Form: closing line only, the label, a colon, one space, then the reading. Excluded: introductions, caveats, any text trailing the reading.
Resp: 1:06
